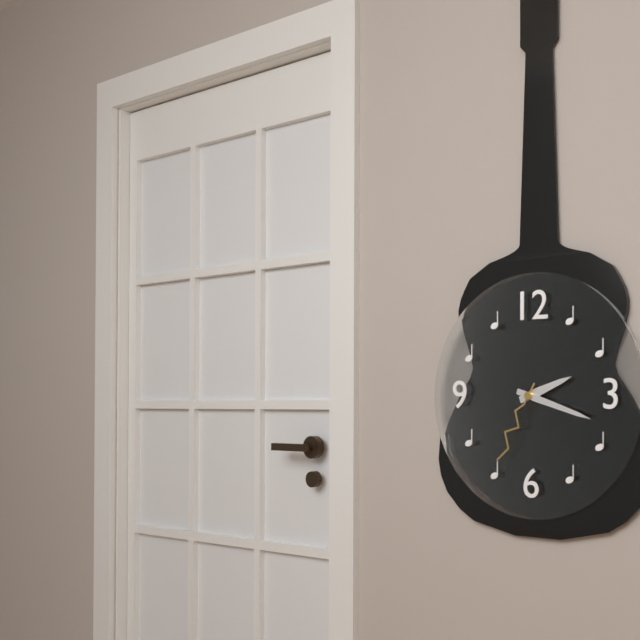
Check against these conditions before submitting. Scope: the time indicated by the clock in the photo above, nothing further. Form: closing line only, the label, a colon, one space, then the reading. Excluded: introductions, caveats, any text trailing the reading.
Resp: 2:18:35
